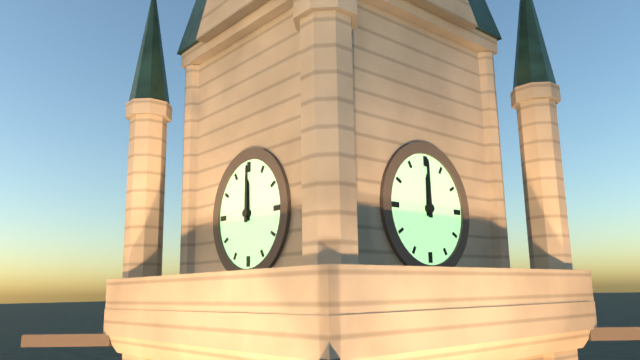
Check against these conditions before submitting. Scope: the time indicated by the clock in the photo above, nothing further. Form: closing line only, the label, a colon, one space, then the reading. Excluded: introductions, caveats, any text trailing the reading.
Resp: 12:00
